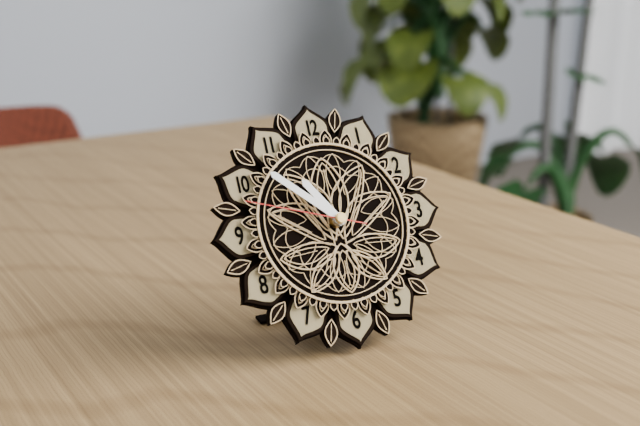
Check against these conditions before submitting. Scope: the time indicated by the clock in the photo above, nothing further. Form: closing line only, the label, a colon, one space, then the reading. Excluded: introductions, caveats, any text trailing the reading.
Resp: 10:52:48
